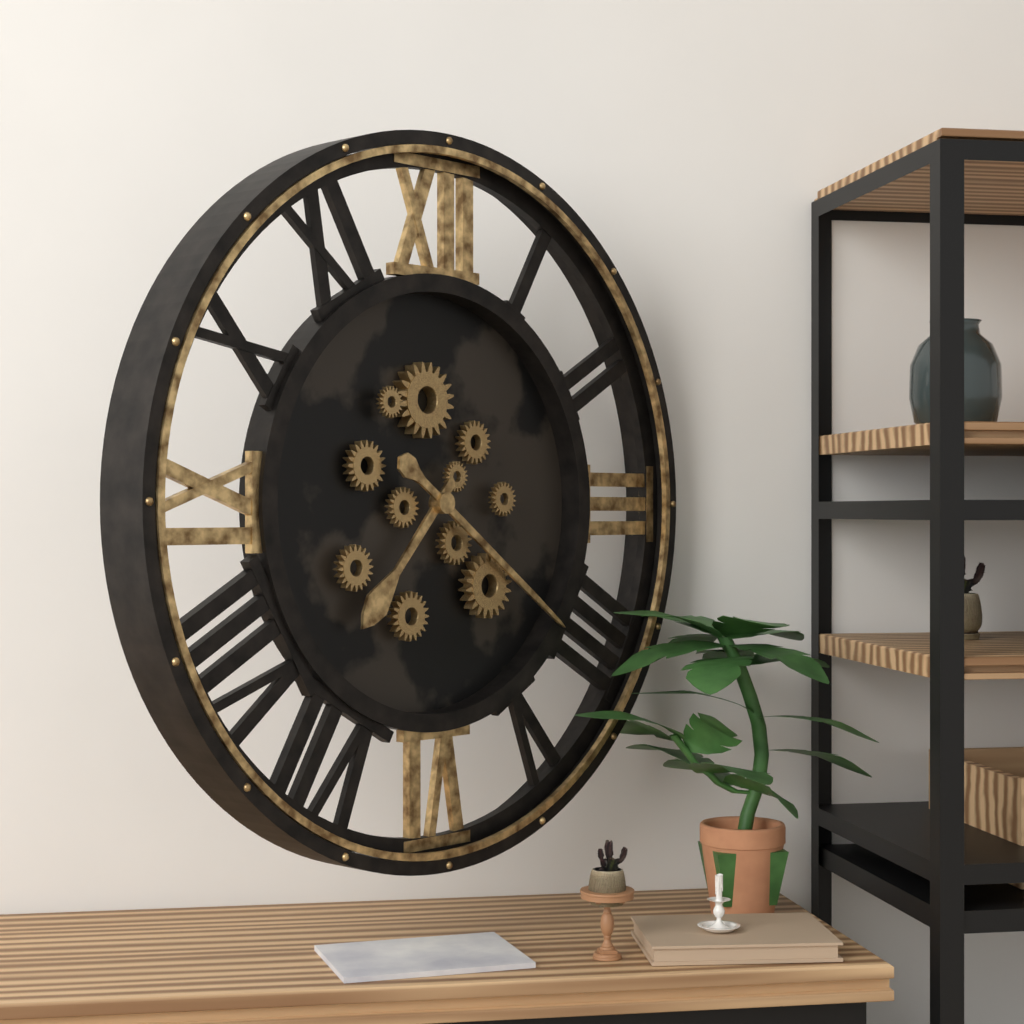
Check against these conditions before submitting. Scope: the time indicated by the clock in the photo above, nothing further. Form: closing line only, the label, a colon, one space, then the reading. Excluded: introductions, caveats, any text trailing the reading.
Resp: 7:21
